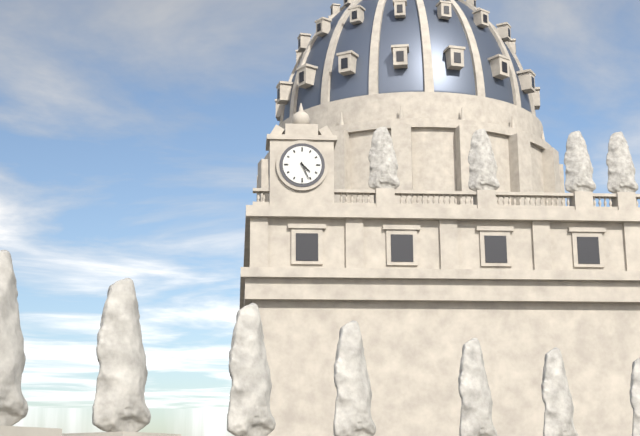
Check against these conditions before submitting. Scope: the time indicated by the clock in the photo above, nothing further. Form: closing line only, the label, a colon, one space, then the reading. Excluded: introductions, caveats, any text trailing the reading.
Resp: 4:26
